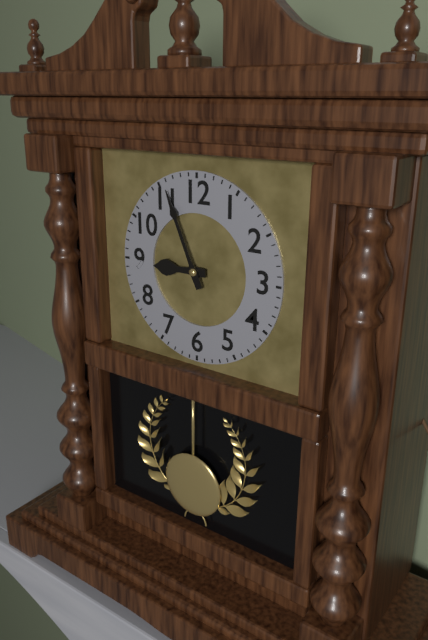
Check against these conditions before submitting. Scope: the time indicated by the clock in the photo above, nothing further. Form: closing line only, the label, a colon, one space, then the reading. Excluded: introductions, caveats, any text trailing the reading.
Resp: 8:56
